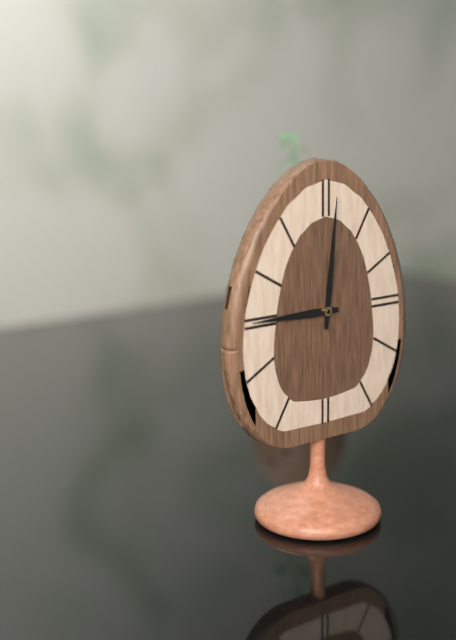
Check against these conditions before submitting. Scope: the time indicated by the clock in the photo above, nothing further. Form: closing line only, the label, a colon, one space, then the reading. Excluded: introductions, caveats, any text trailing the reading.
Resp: 9:01
